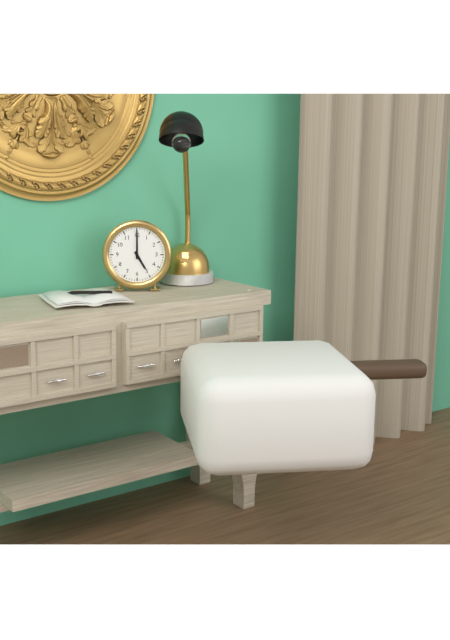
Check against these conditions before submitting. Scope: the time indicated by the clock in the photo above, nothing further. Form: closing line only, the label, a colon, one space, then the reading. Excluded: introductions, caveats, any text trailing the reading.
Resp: 5:00
